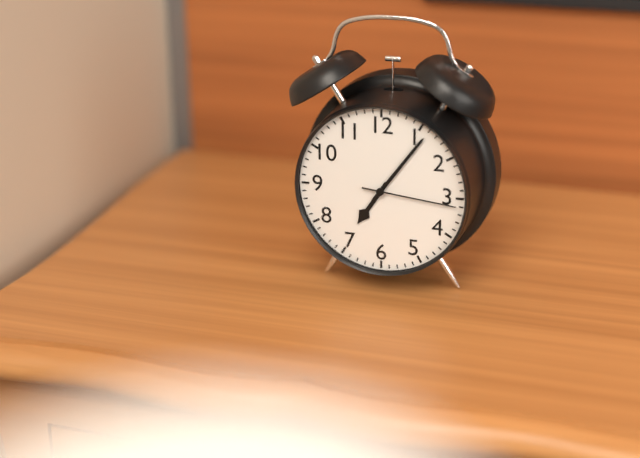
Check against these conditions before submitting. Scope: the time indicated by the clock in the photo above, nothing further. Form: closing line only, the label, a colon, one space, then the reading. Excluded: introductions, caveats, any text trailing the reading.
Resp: 7:06:16
